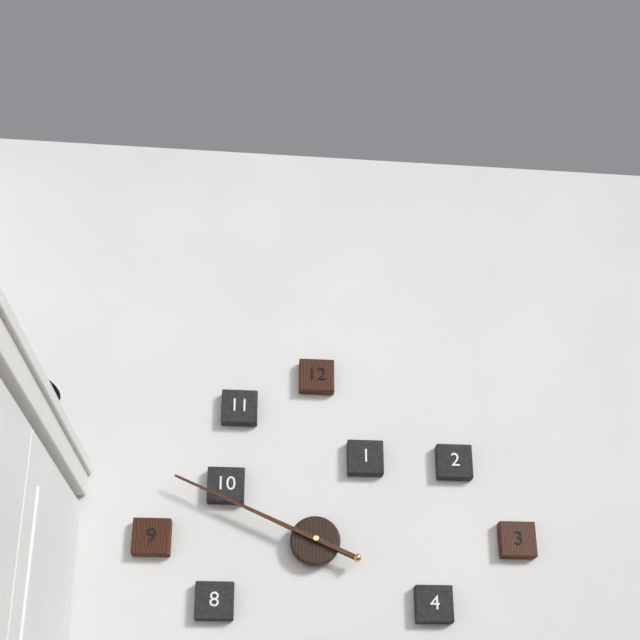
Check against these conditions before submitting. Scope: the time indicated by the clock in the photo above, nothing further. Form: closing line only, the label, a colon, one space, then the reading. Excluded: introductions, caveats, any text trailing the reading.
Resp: 9:49
